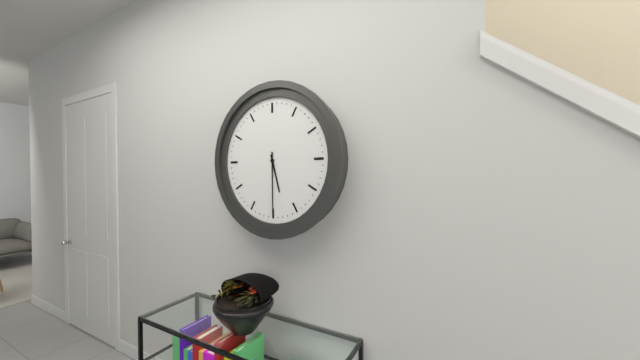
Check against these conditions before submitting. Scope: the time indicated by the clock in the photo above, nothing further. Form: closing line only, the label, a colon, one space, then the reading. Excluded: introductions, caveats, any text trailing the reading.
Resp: 5:30
